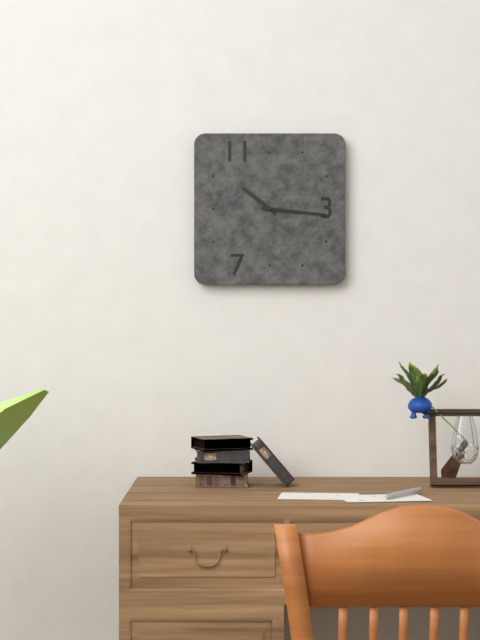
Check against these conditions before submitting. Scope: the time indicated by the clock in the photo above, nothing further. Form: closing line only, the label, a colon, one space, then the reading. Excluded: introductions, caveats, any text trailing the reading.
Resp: 10:16
